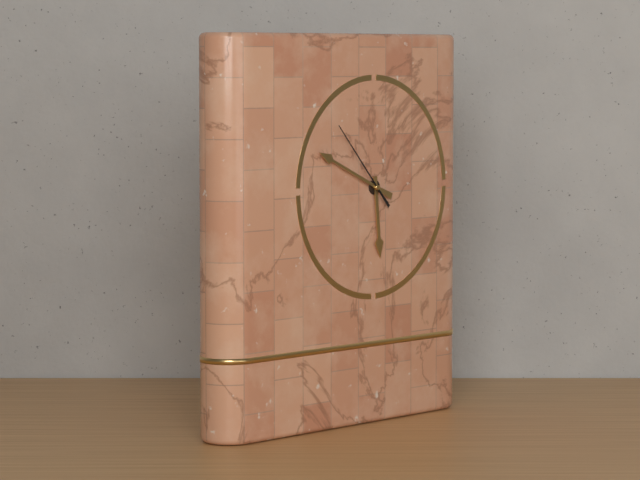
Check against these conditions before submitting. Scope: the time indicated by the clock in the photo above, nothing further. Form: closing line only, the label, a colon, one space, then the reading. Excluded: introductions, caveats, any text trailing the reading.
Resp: 5:49:53
